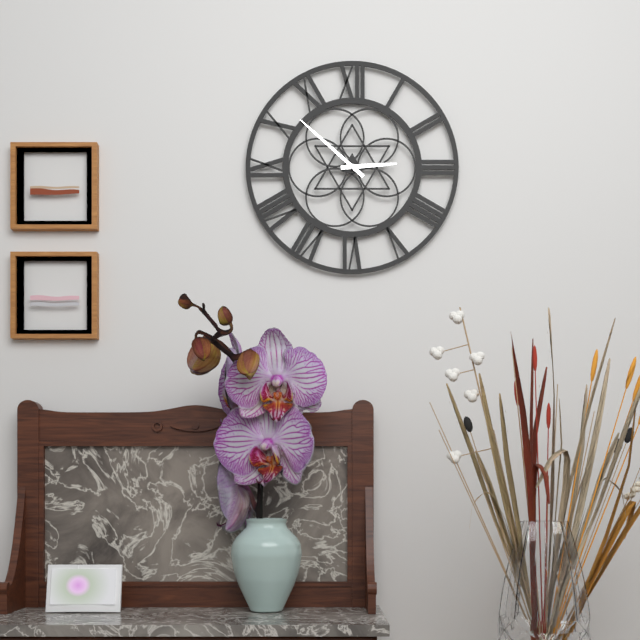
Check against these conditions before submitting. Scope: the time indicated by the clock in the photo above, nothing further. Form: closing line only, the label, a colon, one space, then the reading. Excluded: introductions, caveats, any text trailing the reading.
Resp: 2:52
